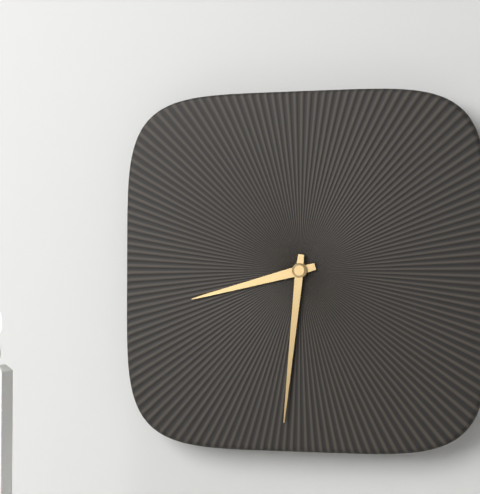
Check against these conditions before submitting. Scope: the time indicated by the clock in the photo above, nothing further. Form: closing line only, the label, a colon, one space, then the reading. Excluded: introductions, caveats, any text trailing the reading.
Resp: 8:31
